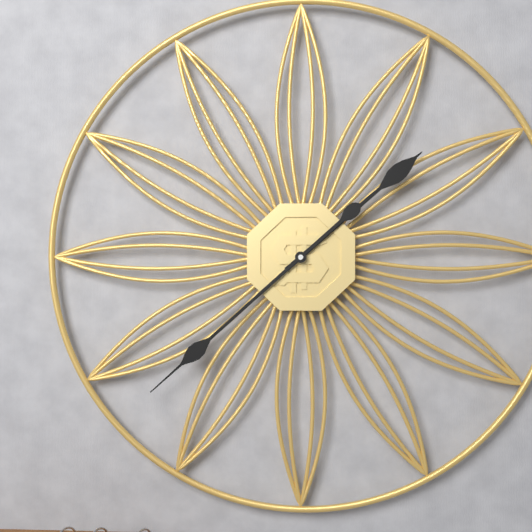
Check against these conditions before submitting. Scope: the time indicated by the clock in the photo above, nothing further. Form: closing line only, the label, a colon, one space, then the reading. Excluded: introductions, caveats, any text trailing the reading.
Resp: 1:38
